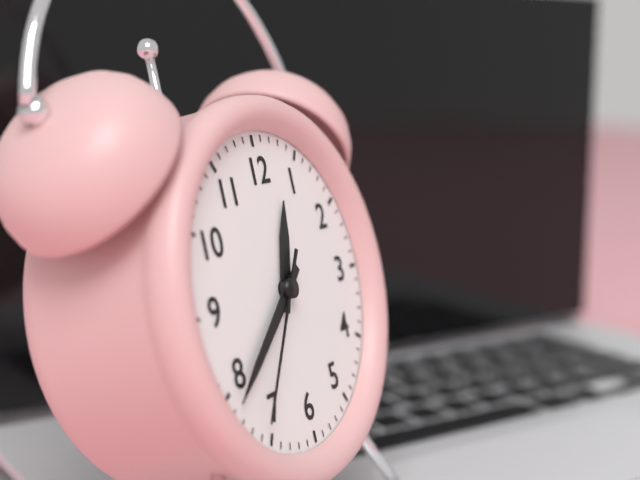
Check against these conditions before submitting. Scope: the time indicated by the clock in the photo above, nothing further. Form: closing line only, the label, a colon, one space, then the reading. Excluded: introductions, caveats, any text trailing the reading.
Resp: 12:39:36
